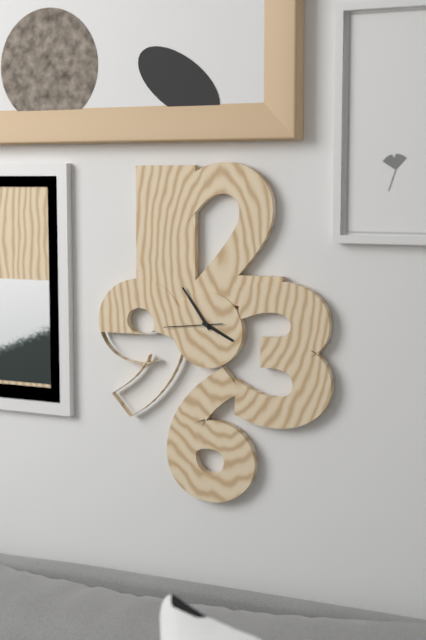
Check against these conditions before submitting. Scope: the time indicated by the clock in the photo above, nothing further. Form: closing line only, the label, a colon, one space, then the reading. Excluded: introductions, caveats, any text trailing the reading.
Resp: 3:54:44
